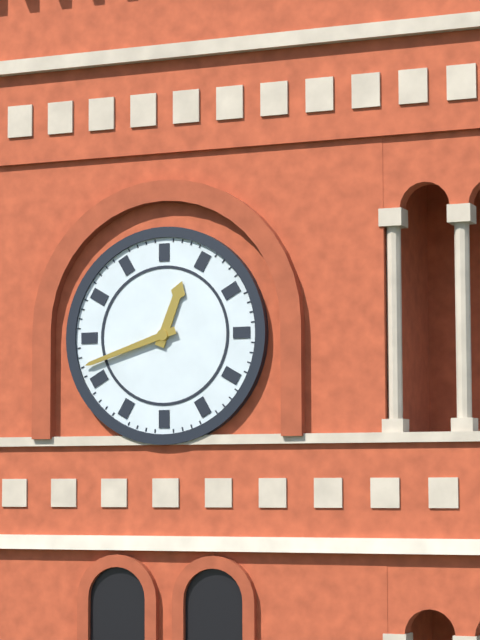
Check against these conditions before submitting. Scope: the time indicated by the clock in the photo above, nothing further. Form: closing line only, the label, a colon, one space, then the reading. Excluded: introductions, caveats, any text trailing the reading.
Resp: 12:42
